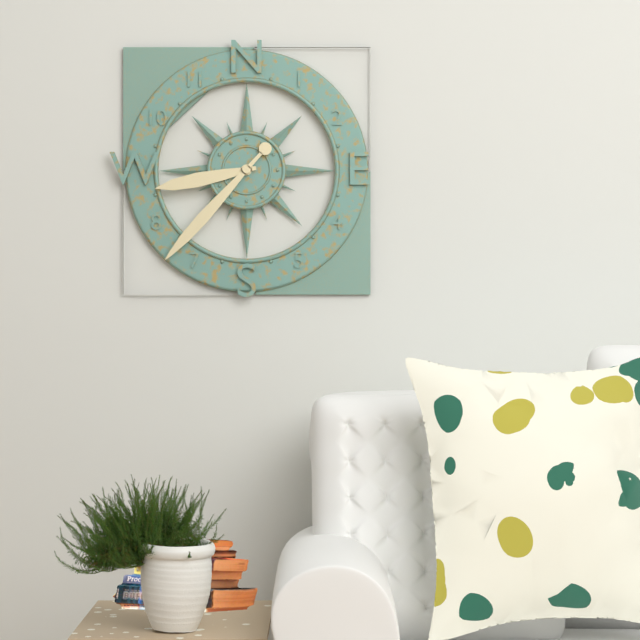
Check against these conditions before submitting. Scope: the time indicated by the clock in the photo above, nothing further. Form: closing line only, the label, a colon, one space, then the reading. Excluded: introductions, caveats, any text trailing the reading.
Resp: 8:37
